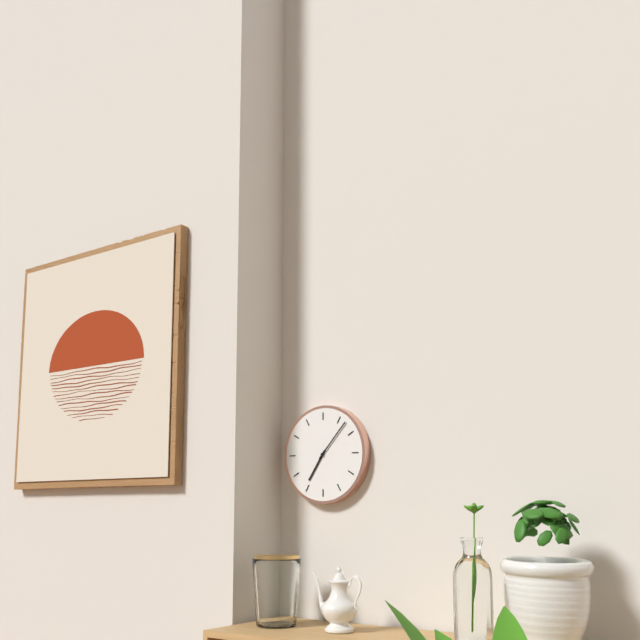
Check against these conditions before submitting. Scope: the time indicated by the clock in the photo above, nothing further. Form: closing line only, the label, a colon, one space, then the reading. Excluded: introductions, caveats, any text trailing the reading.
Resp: 7:07
